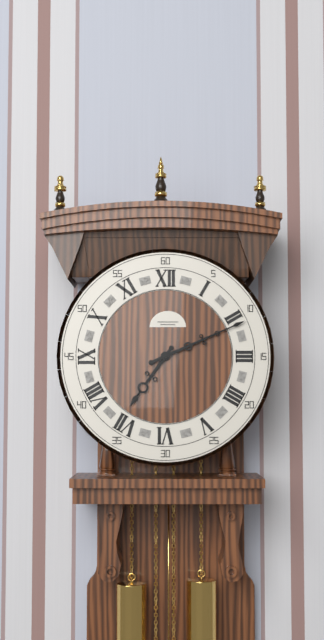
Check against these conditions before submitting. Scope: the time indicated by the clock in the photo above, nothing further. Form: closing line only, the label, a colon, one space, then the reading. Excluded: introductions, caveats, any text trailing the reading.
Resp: 7:11
